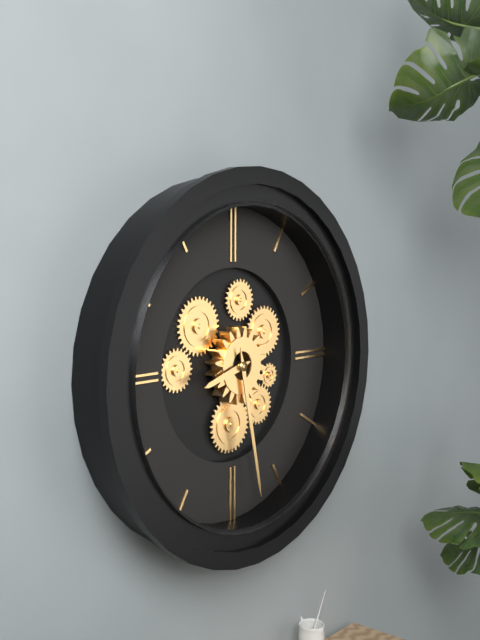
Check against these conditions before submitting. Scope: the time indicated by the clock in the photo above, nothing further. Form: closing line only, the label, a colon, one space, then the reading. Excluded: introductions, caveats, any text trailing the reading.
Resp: 8:28
